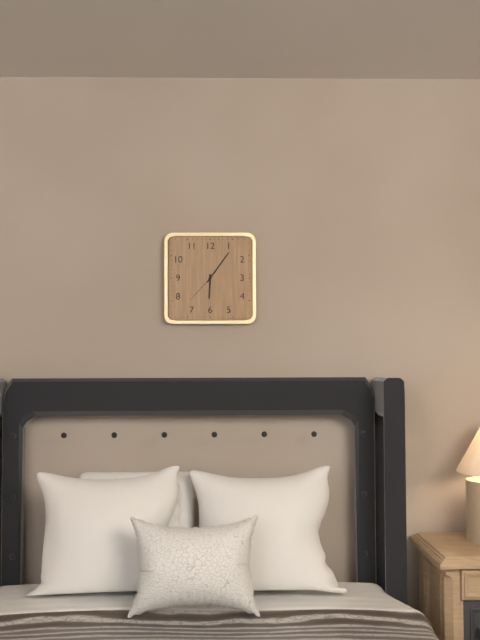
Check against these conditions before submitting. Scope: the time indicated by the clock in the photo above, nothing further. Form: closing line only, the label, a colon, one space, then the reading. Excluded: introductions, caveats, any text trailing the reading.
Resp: 6:06
